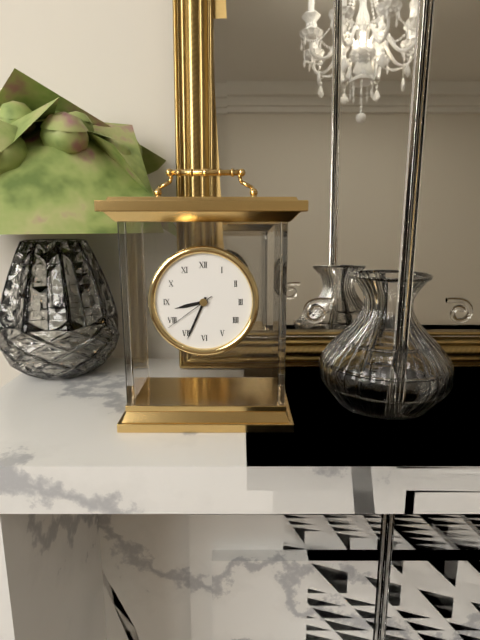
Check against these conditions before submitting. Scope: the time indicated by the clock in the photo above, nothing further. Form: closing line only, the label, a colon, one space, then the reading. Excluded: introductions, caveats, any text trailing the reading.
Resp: 8:34:39
